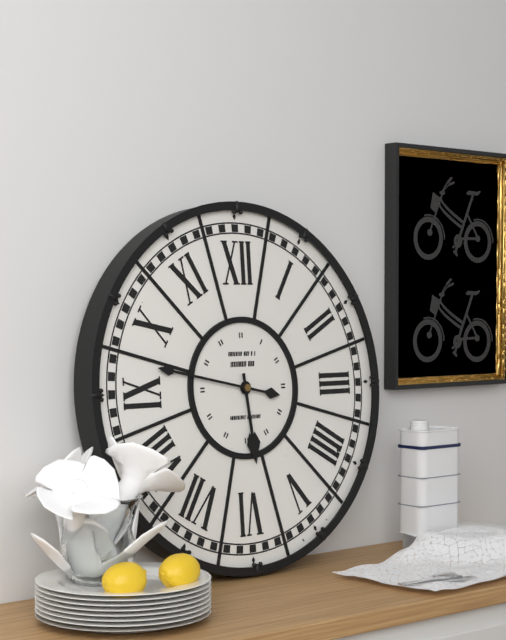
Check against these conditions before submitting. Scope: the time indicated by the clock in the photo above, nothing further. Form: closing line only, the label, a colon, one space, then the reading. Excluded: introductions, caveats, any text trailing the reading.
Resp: 5:47
